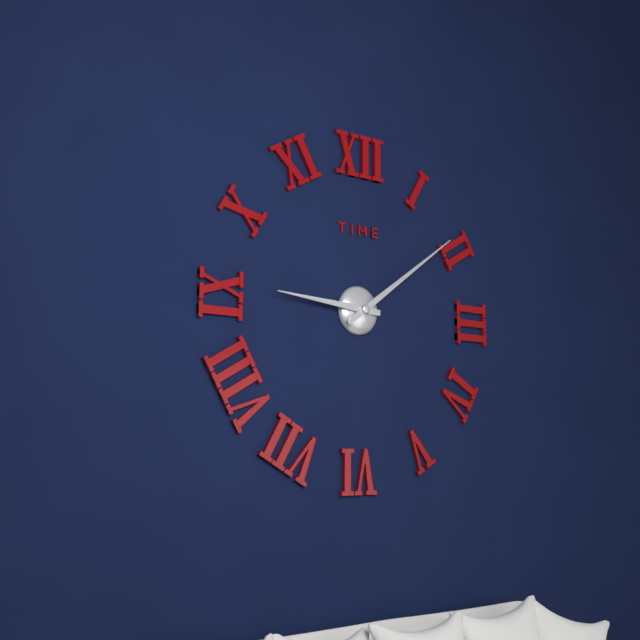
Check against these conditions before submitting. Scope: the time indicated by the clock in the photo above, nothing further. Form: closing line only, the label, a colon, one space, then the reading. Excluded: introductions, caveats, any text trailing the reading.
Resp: 9:09
